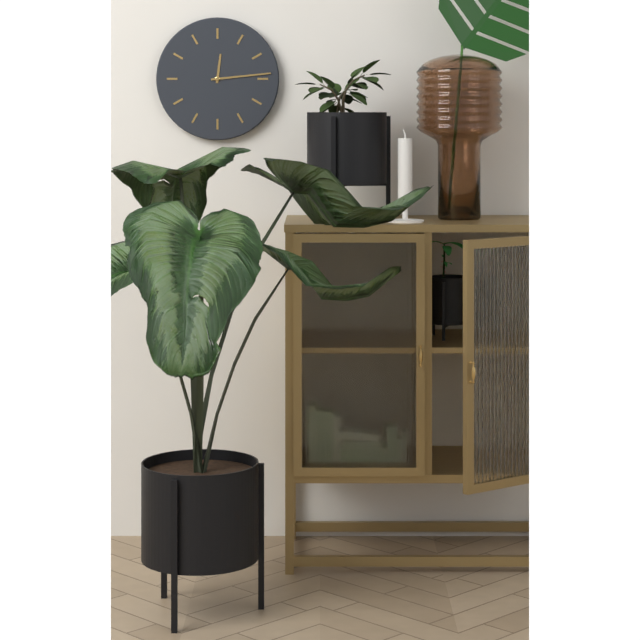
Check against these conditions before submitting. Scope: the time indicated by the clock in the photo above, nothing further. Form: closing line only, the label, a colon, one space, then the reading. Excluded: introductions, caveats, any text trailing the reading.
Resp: 12:14
